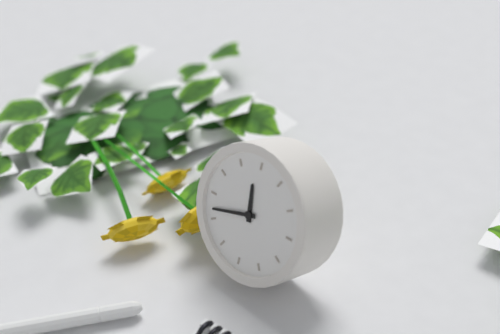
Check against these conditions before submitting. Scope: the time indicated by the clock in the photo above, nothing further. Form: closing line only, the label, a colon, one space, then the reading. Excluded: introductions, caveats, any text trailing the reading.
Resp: 11:42
